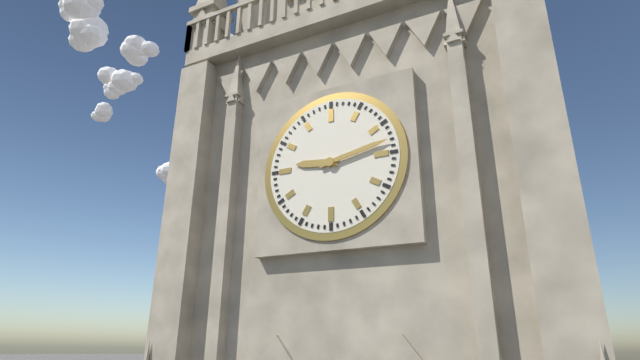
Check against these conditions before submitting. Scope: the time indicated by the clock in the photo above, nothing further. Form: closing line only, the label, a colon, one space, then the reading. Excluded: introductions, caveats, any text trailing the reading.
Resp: 9:13
